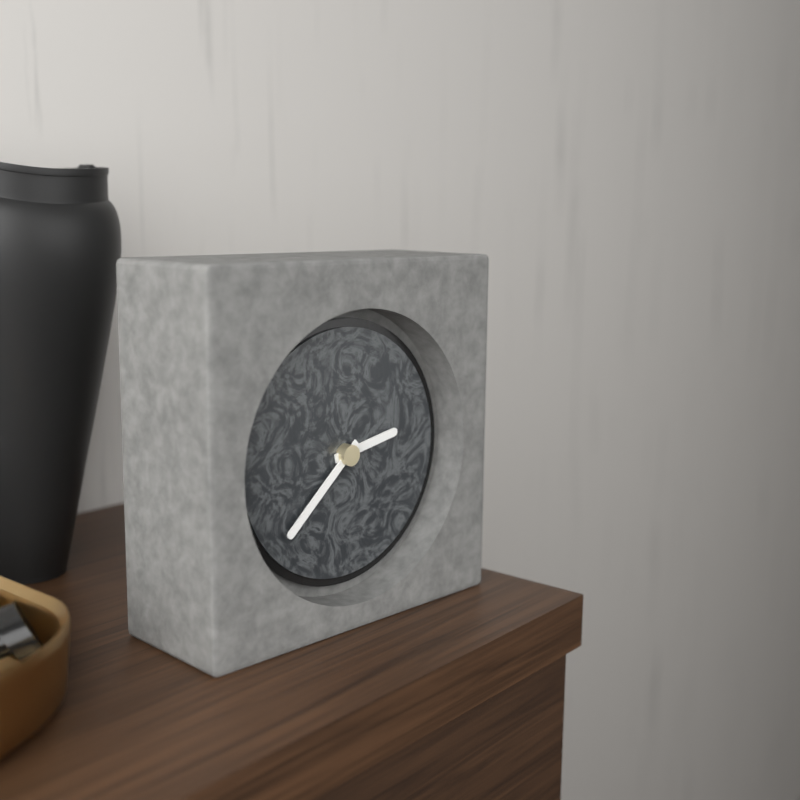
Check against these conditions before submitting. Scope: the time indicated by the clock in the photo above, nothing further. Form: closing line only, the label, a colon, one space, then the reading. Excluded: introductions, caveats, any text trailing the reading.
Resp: 2:38
